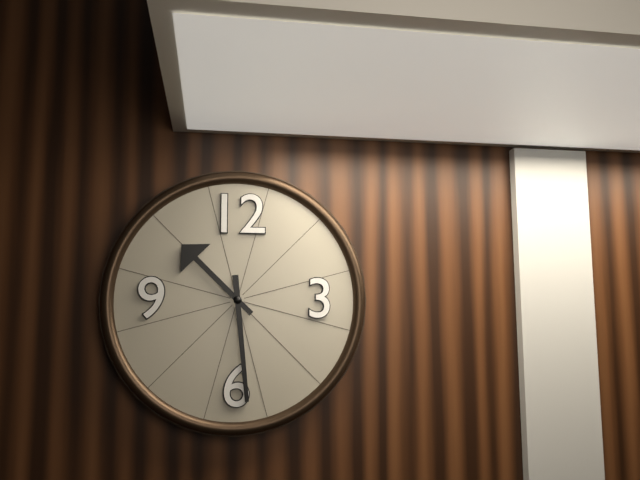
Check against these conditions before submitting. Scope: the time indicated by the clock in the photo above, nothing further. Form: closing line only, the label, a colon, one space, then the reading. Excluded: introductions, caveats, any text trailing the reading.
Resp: 10:29
